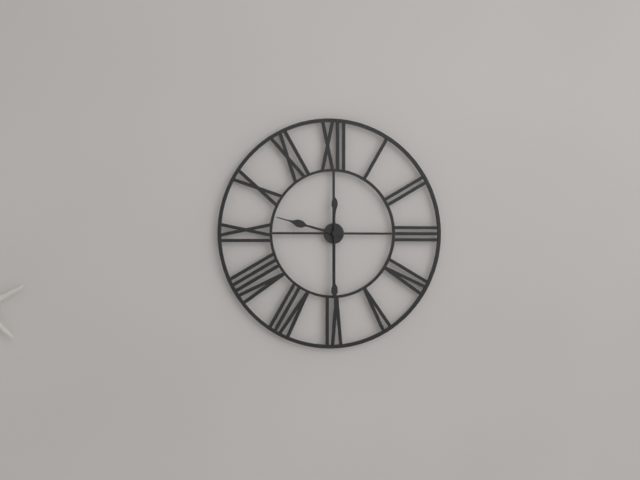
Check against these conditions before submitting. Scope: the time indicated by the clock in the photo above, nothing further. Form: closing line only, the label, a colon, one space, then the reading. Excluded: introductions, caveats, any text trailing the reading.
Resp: 9:30
